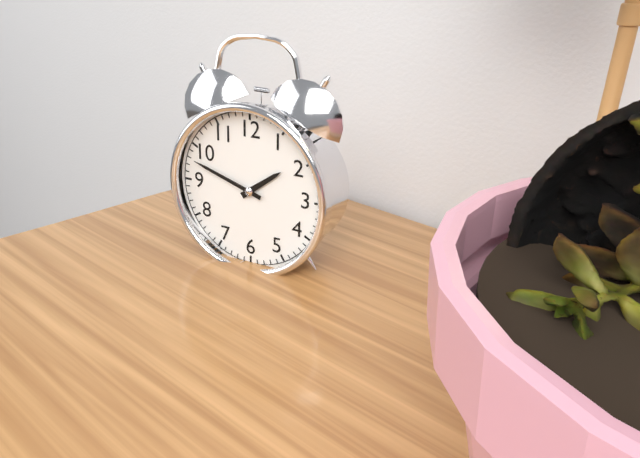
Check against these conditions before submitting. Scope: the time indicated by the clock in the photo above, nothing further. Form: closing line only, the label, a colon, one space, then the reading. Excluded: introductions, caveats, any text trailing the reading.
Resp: 1:48
